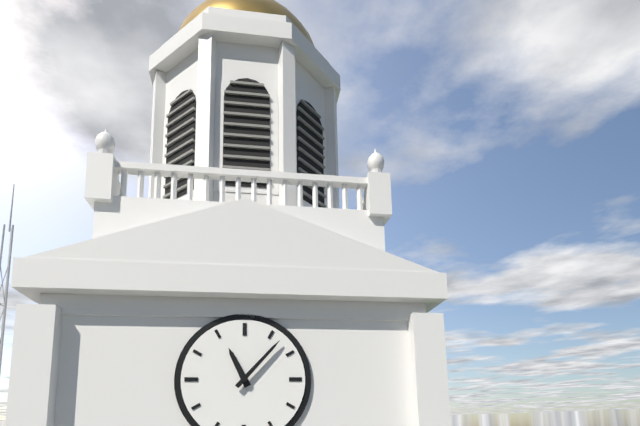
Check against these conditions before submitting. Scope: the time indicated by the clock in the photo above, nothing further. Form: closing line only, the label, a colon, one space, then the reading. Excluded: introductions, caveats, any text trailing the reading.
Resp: 11:07
